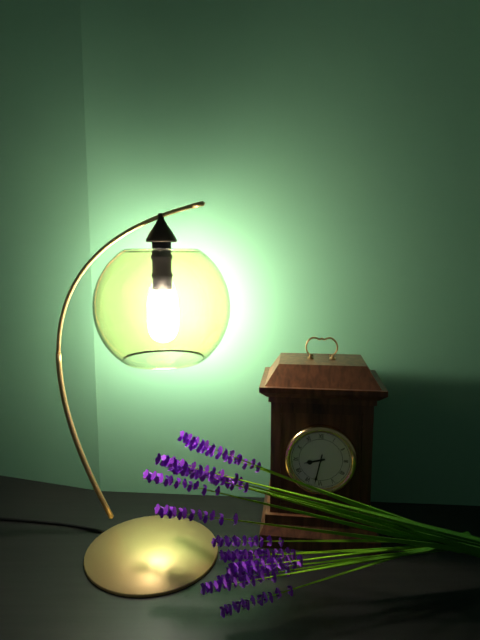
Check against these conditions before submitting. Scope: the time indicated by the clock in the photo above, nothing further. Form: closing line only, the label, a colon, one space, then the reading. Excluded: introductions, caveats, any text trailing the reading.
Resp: 8:32
